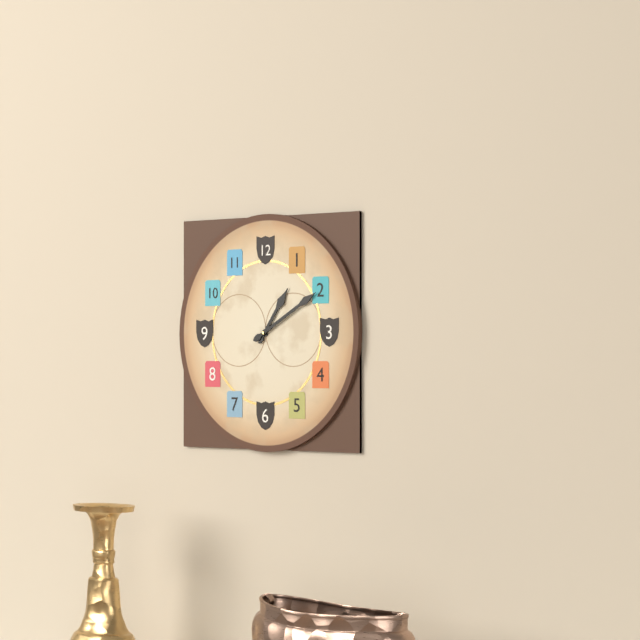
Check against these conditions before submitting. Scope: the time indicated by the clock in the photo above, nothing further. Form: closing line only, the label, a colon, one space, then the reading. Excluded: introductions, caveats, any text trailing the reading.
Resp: 1:10
